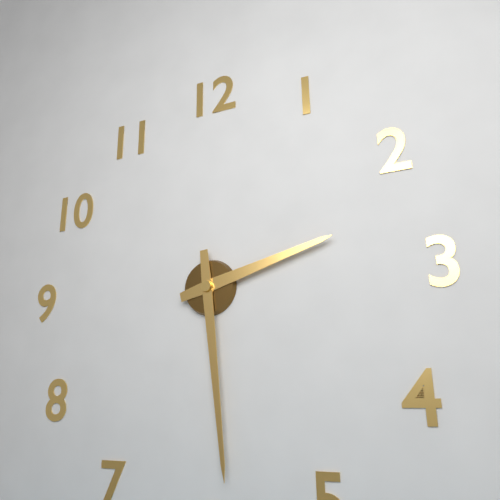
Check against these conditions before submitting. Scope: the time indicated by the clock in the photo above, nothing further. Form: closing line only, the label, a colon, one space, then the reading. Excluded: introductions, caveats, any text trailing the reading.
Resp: 2:29
